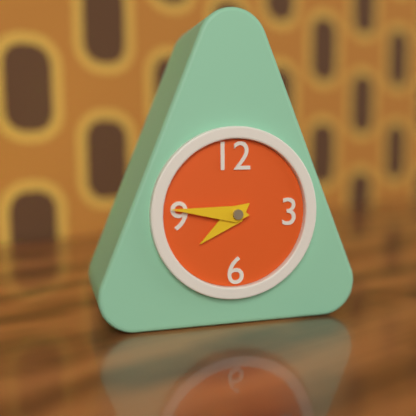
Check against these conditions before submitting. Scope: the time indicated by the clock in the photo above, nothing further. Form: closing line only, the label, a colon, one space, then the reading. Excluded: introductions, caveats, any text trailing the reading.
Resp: 7:46
